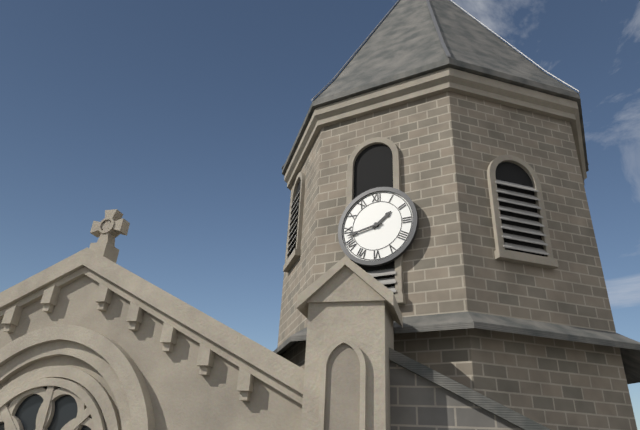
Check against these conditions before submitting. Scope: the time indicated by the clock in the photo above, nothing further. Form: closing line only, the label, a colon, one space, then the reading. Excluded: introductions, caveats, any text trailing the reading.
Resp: 1:43
